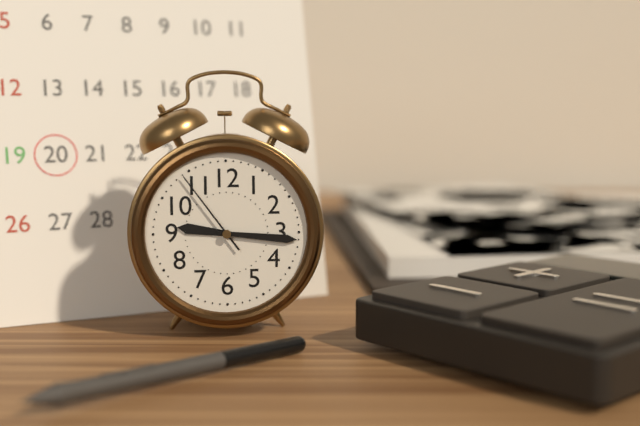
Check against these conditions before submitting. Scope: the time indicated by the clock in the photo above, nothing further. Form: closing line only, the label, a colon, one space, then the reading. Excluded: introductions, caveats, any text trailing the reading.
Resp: 9:16:54
